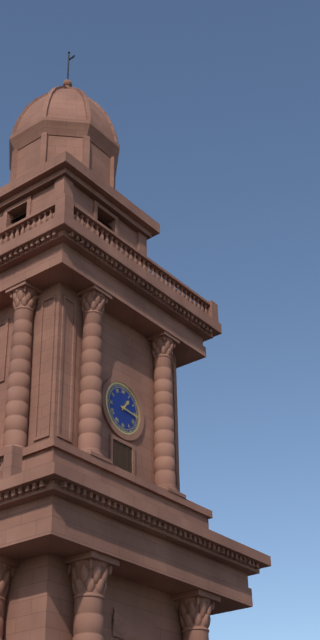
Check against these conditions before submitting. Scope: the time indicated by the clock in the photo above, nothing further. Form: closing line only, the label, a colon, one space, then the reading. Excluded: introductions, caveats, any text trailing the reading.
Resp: 1:16
